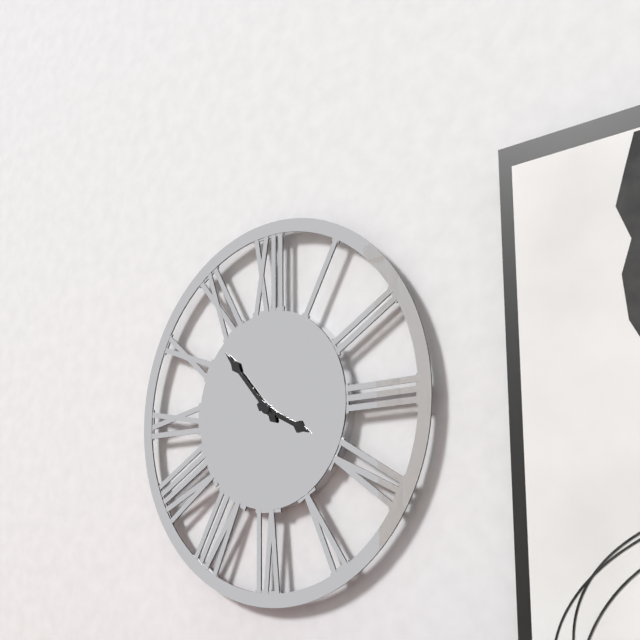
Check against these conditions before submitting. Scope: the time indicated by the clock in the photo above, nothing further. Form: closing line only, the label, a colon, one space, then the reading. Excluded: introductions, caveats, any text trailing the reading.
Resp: 3:53
